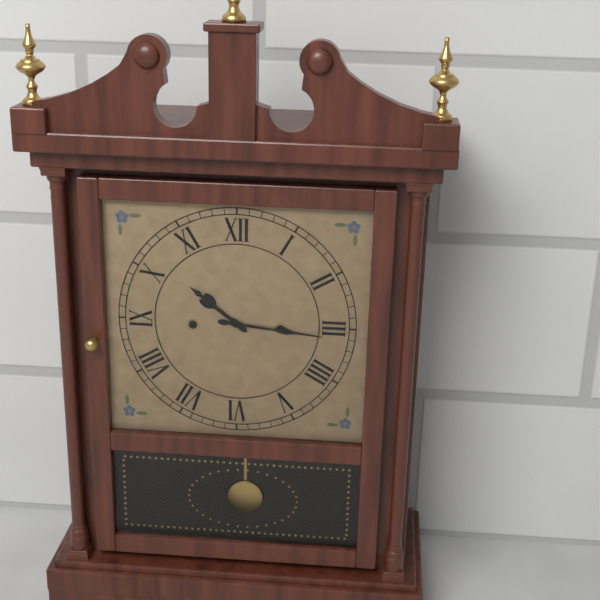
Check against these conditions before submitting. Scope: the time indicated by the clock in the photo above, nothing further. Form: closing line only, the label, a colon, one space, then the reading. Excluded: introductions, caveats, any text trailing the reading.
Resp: 10:16
